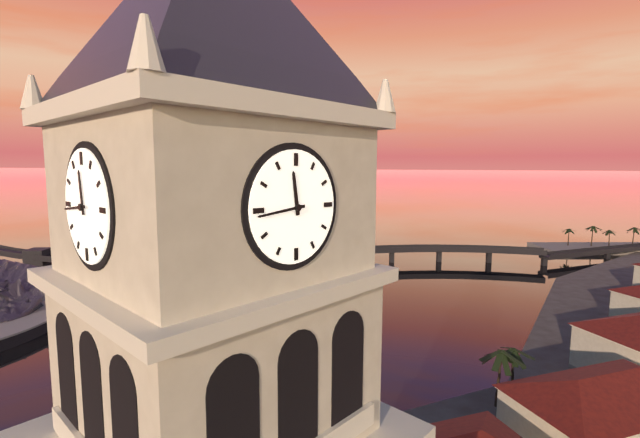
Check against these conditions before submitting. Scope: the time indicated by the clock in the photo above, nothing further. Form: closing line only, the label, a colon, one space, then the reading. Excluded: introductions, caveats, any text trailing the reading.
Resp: 11:44
